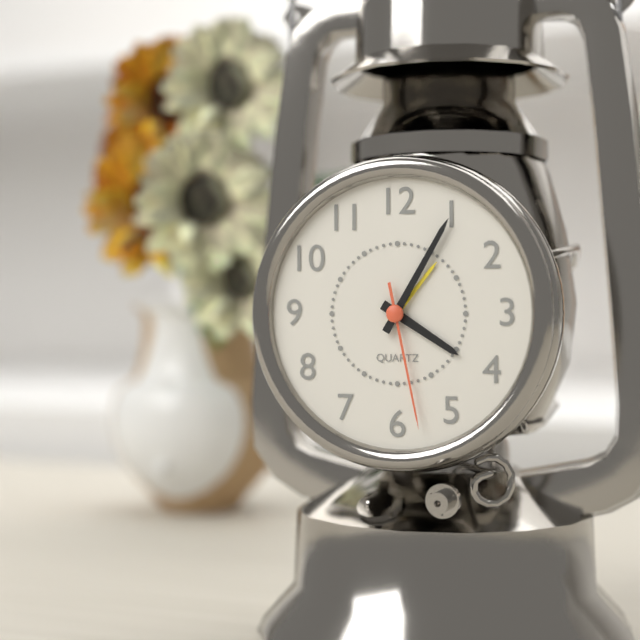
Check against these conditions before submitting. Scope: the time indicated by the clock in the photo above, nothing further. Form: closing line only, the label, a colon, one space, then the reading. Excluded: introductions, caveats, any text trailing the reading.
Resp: 4:05:28
